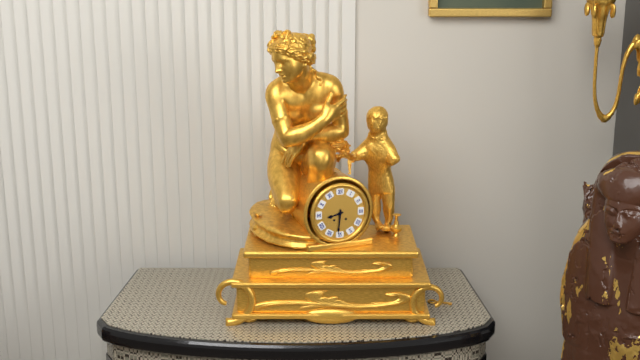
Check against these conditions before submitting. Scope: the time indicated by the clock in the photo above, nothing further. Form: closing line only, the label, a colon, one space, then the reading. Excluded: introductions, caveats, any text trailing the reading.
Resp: 8:31
